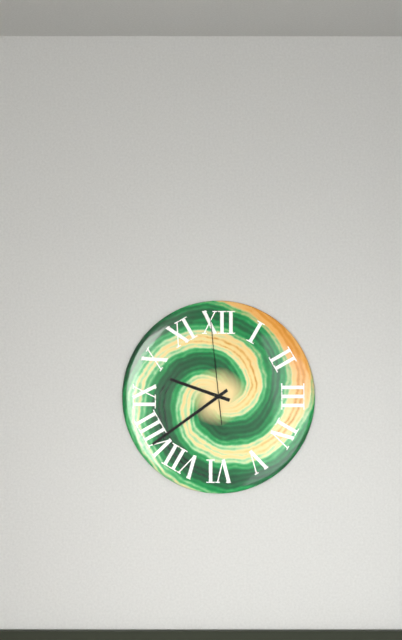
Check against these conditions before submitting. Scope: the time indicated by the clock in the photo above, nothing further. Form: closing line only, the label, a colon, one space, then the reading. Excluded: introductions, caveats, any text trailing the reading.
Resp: 9:39:59
